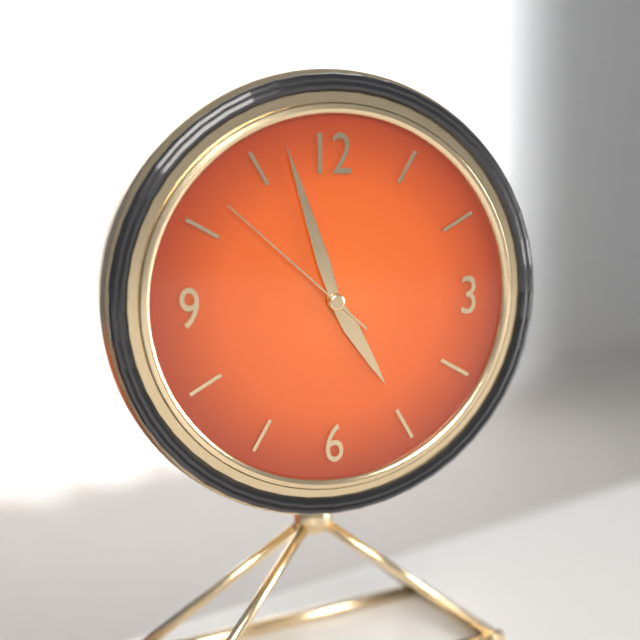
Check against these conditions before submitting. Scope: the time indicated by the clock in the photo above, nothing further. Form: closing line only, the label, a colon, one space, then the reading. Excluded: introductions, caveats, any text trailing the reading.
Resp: 4:57:52
